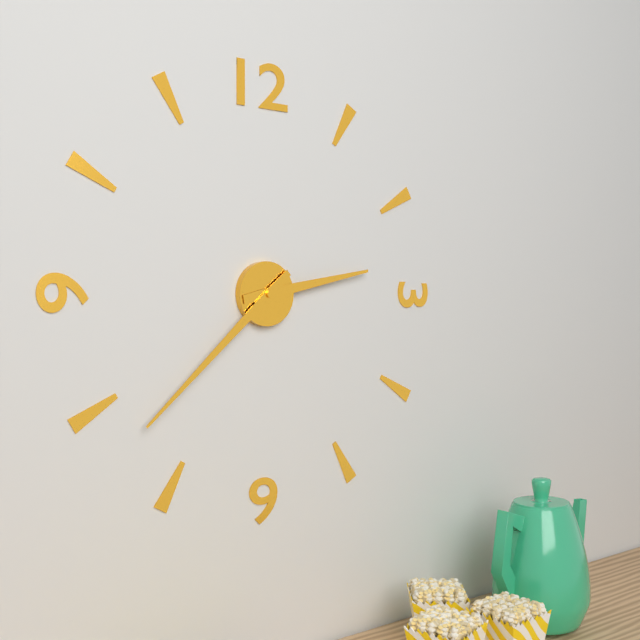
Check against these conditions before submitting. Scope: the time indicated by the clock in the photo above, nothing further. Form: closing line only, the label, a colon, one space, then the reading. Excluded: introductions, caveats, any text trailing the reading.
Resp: 2:38
